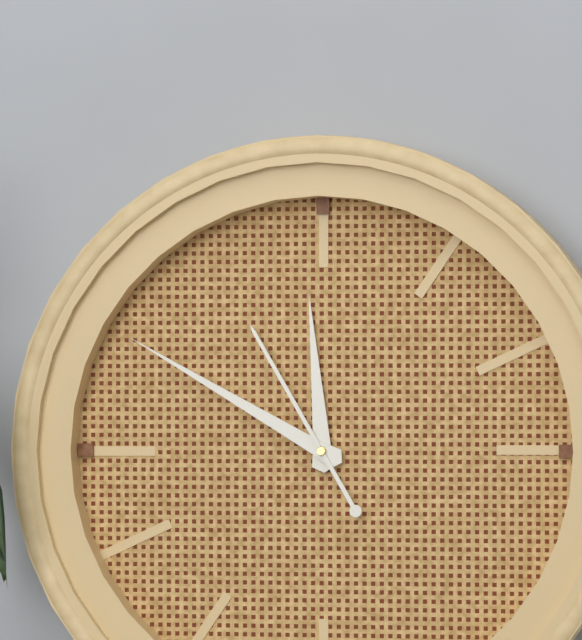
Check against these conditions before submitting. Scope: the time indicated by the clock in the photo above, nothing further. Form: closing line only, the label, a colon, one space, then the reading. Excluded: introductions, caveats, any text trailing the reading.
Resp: 11:50:55
